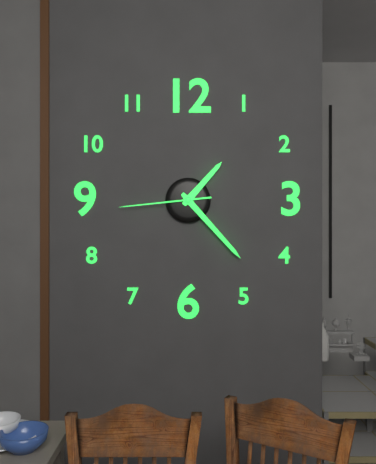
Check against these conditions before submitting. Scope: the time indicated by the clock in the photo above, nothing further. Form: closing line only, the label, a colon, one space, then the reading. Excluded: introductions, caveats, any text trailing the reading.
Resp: 1:23:44
